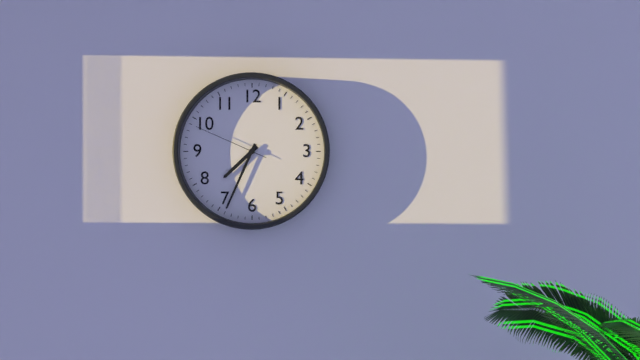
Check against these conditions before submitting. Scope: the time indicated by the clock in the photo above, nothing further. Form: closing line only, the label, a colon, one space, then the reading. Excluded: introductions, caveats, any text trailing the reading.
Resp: 7:34:49
